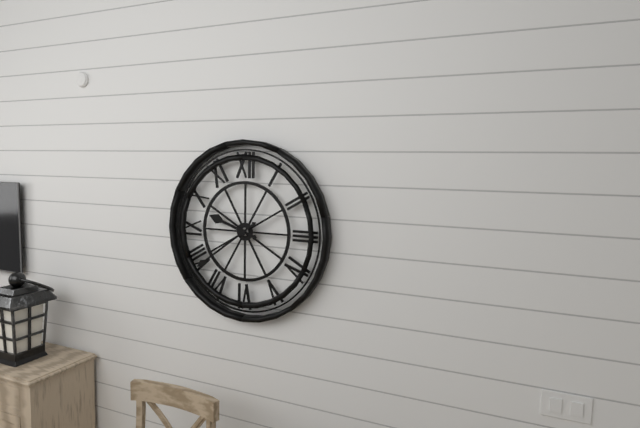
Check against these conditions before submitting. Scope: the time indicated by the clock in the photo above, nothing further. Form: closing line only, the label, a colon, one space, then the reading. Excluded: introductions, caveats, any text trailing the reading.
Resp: 9:39
